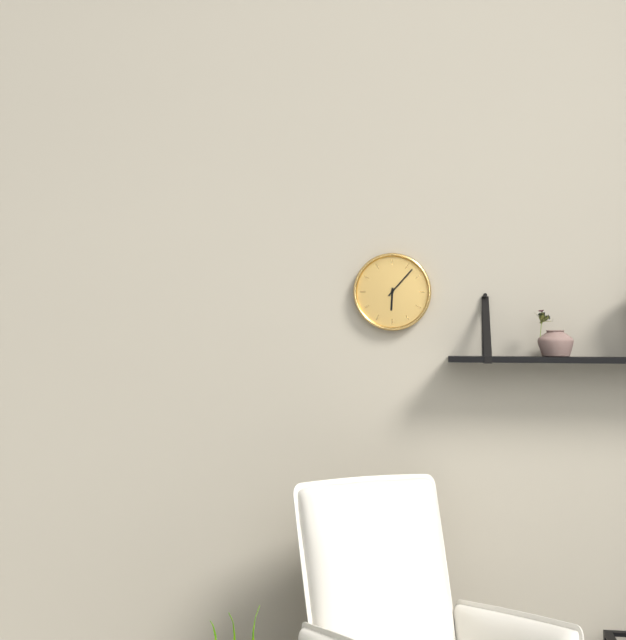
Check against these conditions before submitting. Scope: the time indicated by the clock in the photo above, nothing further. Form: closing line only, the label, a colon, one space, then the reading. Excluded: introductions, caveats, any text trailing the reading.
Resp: 6:07
